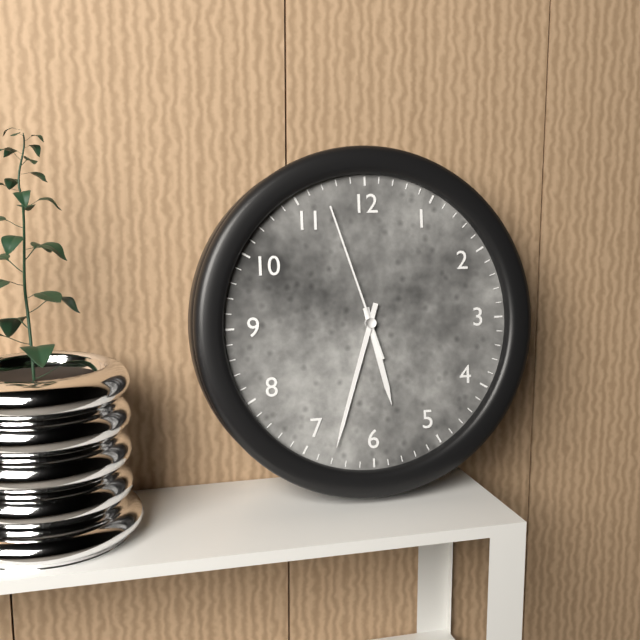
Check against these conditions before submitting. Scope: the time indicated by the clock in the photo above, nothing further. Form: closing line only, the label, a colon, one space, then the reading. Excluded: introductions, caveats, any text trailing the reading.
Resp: 5:33:57
